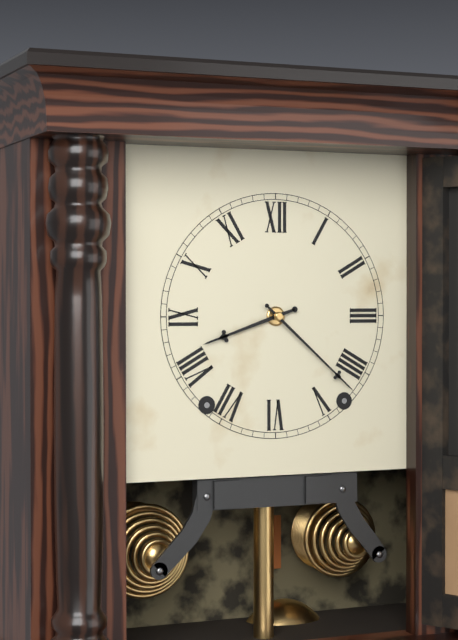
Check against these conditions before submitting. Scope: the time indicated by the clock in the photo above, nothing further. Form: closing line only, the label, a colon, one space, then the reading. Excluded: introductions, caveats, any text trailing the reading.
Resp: 8:22
